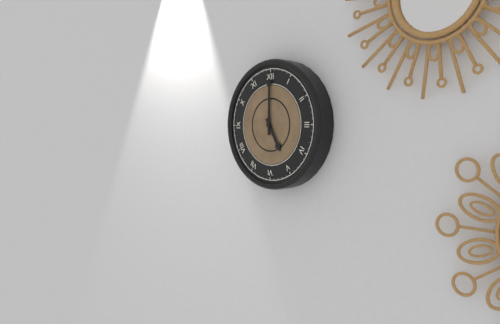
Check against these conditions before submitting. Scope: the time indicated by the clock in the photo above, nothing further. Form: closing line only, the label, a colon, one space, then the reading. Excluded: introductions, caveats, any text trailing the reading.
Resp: 5:00
